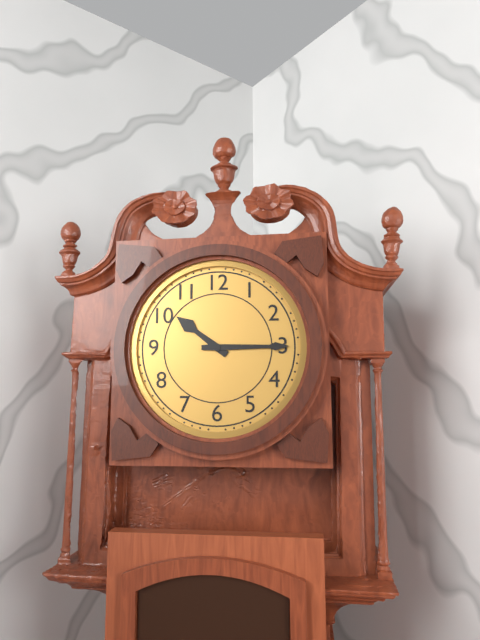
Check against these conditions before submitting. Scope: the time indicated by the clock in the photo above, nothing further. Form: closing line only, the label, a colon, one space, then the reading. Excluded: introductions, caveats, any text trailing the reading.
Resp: 10:15
